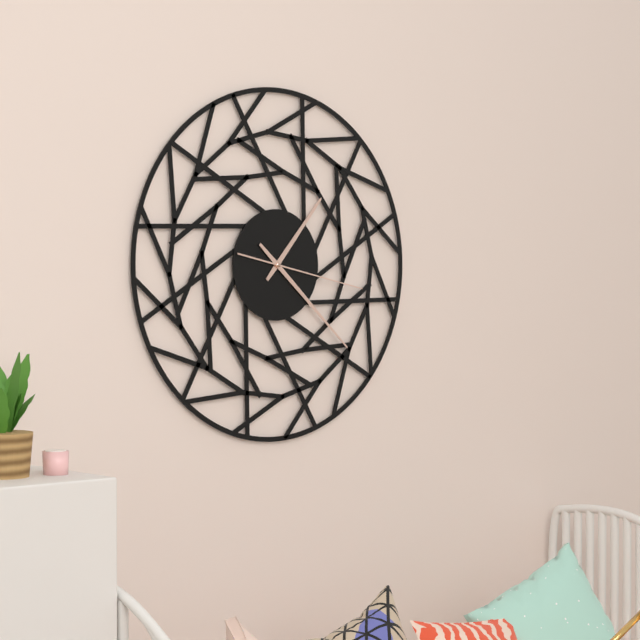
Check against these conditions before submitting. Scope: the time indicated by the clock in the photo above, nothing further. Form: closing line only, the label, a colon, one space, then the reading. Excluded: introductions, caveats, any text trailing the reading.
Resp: 1:22:17
